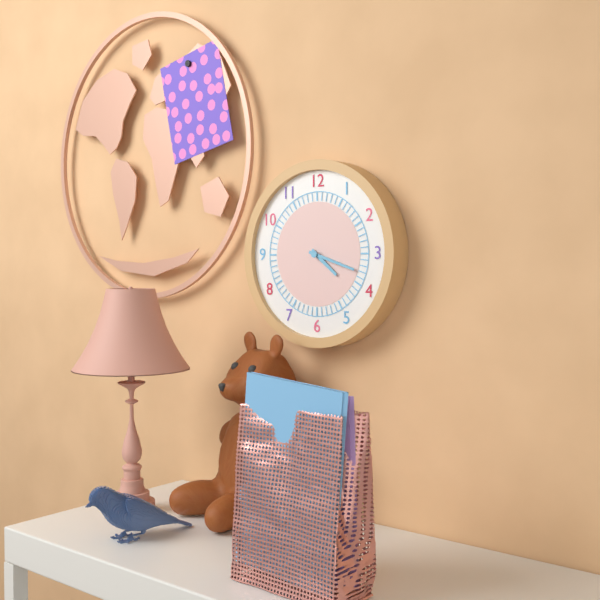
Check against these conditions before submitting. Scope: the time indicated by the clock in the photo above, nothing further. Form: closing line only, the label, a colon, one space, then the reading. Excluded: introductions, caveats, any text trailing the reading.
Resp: 4:18
